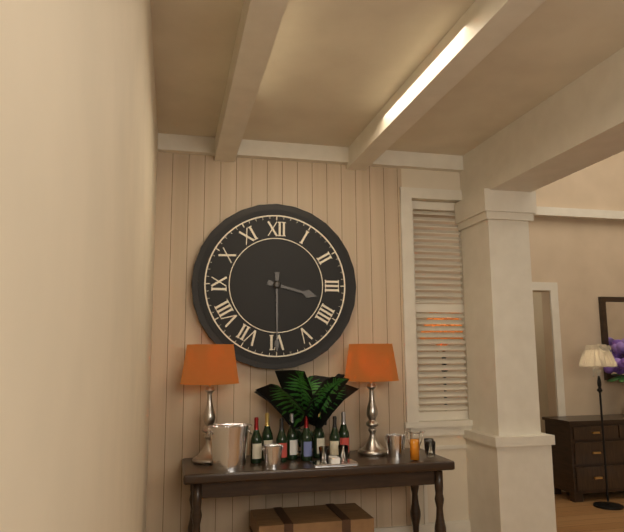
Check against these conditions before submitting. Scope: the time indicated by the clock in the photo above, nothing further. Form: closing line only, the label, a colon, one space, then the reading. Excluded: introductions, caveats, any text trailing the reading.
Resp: 3:30
